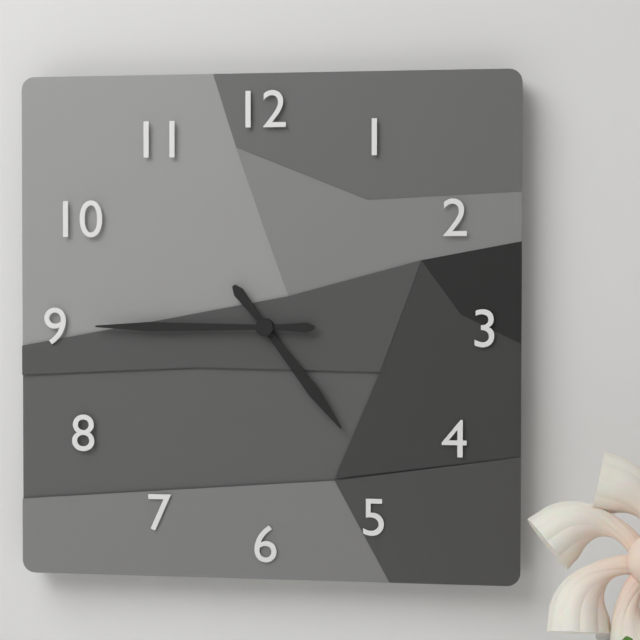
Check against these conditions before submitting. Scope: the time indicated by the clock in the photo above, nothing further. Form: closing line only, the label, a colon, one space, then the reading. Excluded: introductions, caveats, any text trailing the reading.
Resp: 4:45
